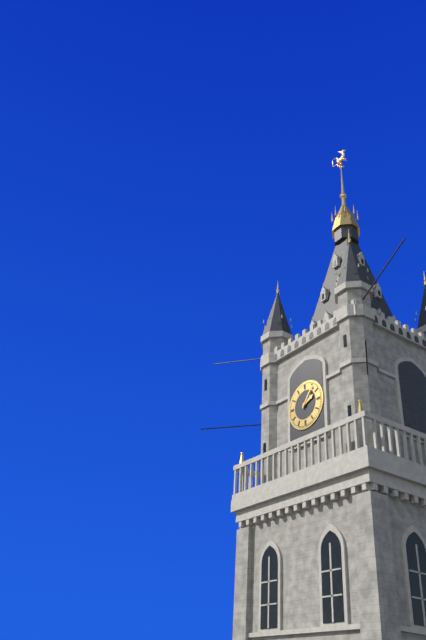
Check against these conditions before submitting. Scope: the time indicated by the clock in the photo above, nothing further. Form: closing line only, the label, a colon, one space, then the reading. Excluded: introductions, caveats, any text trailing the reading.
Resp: 2:06
